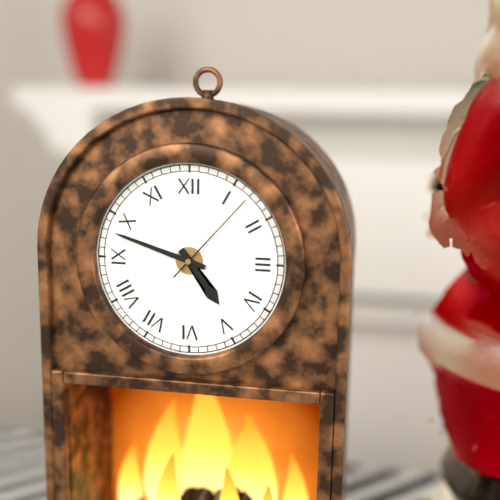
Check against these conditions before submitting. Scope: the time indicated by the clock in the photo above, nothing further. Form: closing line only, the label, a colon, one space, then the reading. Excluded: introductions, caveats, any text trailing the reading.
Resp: 4:48:07
